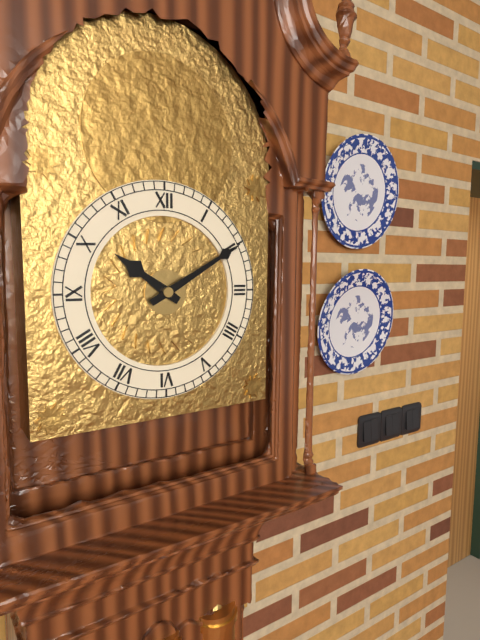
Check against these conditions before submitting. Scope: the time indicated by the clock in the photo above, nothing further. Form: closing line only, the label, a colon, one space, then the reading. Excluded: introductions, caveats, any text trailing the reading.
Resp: 10:10
